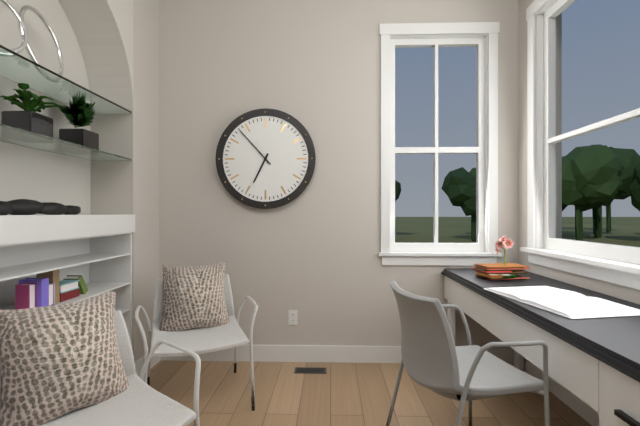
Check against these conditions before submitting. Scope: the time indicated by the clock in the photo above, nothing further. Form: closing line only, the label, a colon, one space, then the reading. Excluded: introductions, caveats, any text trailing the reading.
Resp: 6:53
